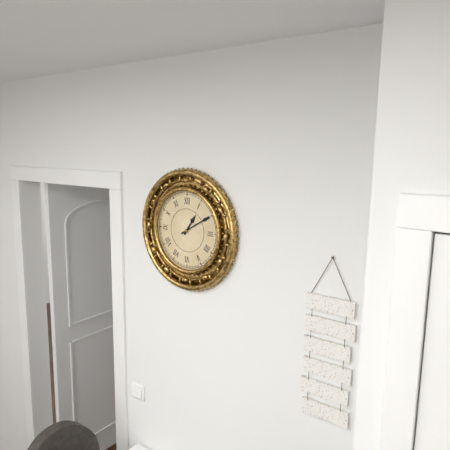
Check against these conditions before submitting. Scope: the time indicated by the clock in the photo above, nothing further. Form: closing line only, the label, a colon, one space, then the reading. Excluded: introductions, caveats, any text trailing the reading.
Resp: 1:10
